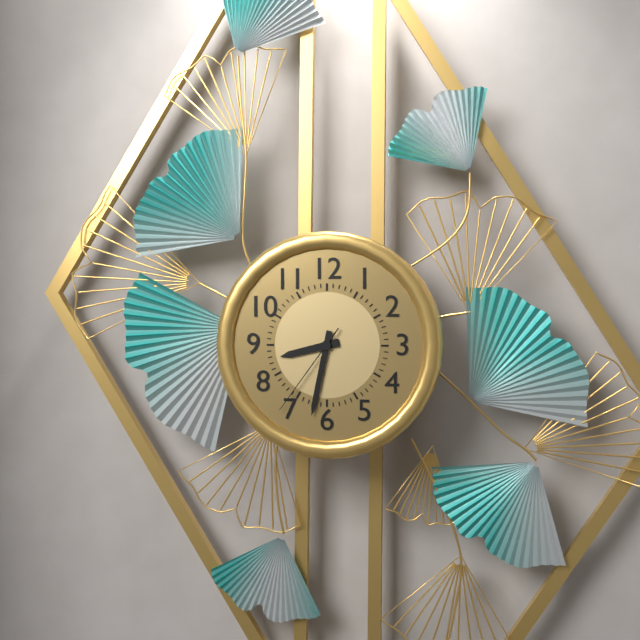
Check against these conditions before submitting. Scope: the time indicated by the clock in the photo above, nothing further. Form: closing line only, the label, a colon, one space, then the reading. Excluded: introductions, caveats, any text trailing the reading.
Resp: 8:32:36
